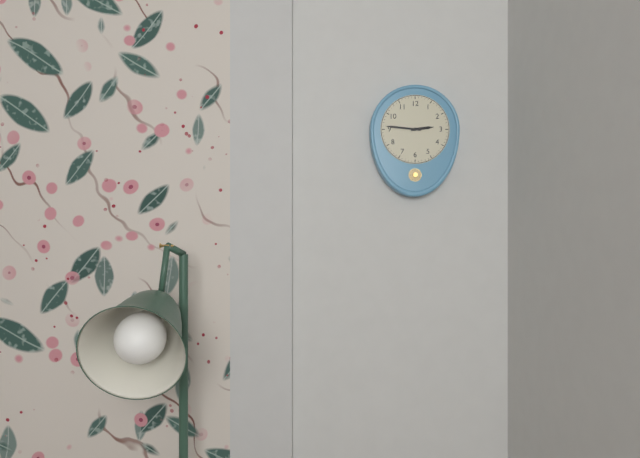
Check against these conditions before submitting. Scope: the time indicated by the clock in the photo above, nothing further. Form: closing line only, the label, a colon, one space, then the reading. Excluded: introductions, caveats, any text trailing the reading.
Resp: 2:46
